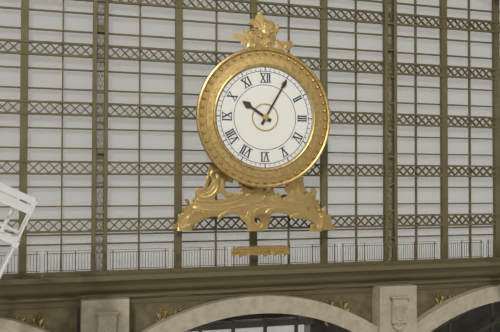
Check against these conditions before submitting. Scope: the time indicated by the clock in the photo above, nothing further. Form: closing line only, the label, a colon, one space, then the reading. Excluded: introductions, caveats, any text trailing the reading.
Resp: 10:05
